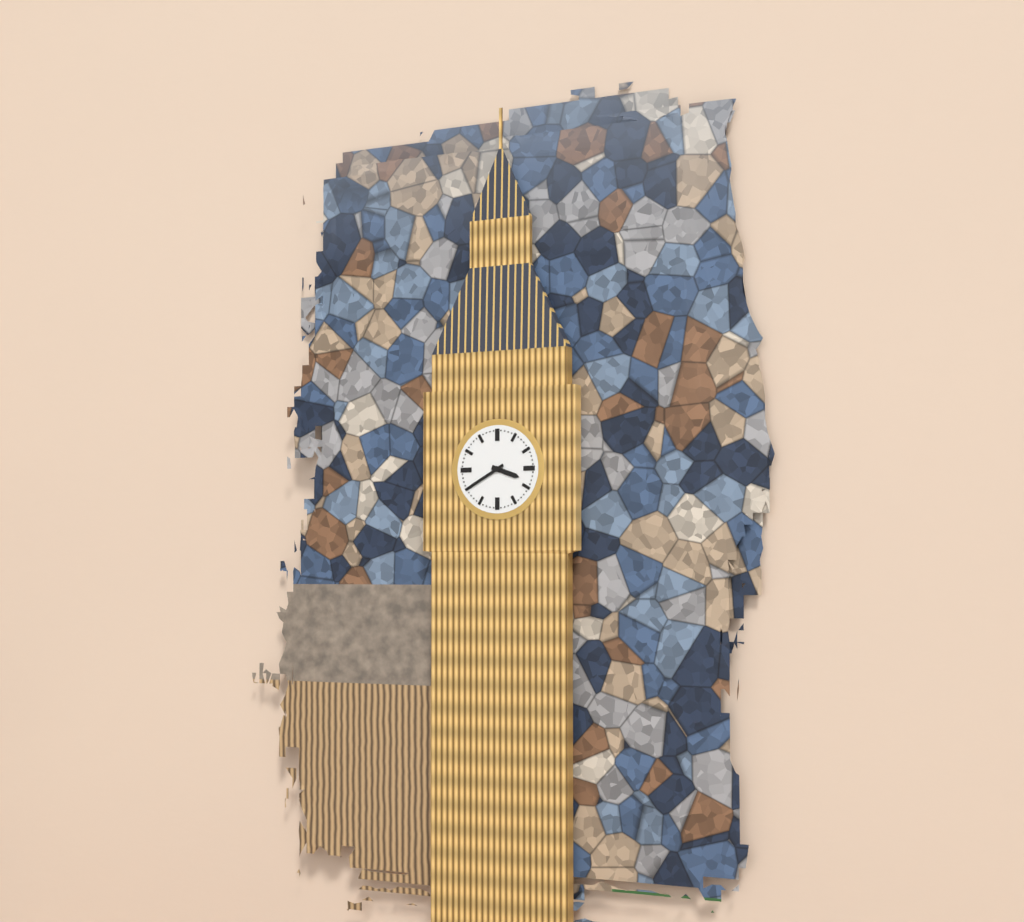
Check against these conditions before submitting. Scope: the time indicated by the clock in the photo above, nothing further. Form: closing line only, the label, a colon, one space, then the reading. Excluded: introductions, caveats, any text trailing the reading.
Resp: 3:40
